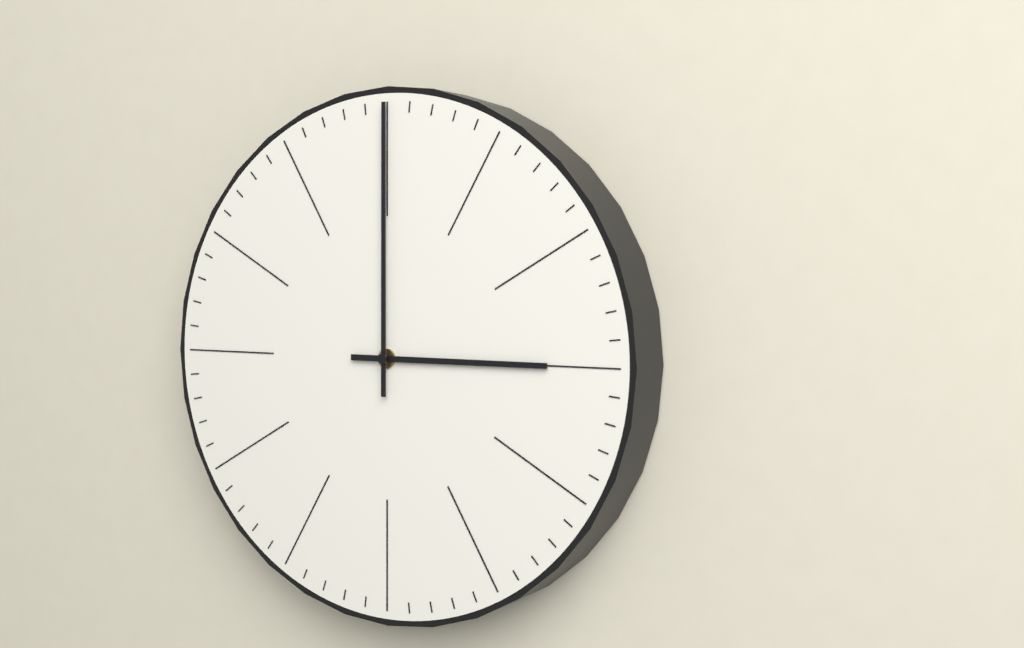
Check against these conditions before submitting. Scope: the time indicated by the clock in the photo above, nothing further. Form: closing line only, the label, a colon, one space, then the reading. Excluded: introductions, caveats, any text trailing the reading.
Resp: 3:00
